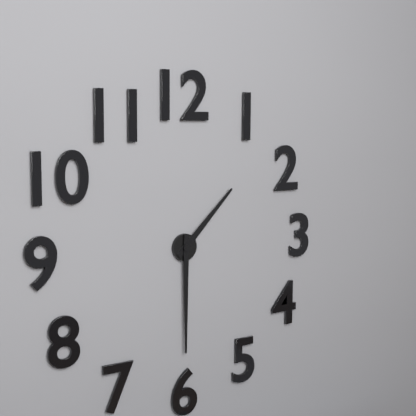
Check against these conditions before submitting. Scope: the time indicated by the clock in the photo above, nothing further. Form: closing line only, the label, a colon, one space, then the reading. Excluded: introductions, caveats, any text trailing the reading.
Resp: 1:30
